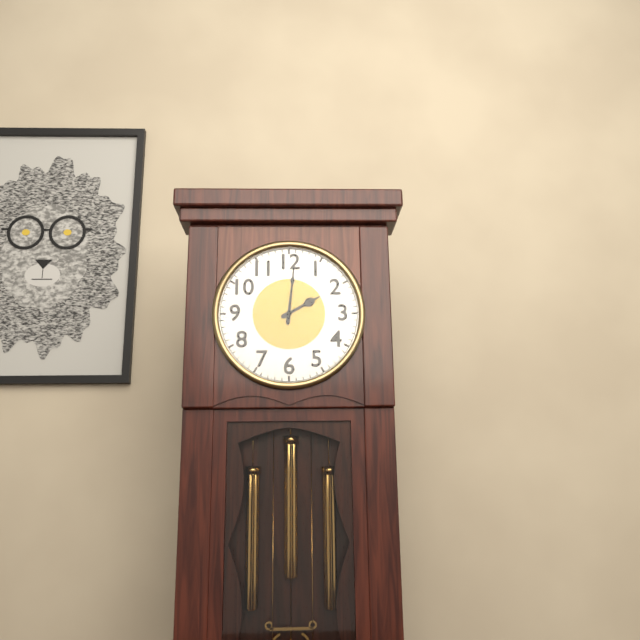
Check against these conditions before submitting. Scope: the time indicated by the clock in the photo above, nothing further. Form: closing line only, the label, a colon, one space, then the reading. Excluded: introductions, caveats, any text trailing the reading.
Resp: 2:01
